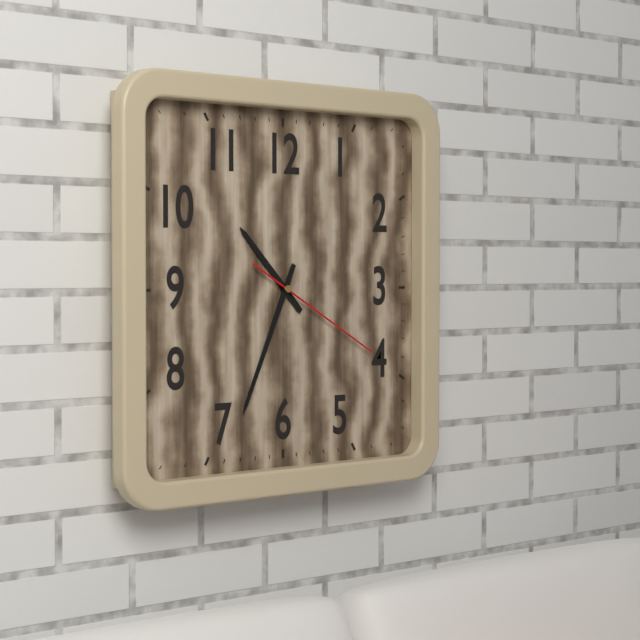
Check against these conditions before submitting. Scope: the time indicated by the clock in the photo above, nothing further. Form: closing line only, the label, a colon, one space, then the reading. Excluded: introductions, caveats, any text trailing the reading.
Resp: 10:34:20
